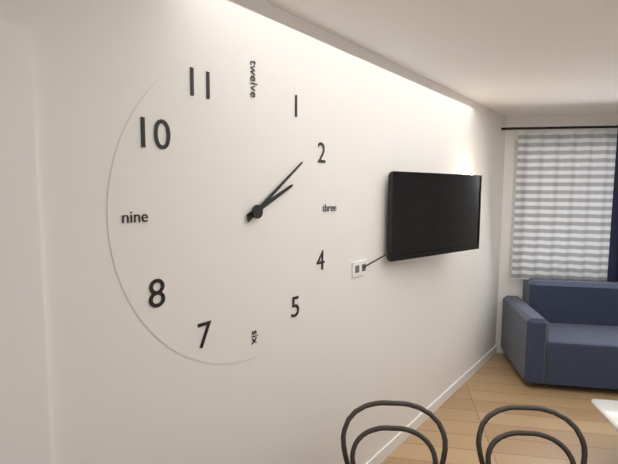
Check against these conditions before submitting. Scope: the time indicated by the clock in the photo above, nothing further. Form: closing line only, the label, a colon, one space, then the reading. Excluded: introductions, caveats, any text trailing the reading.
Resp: 2:09
